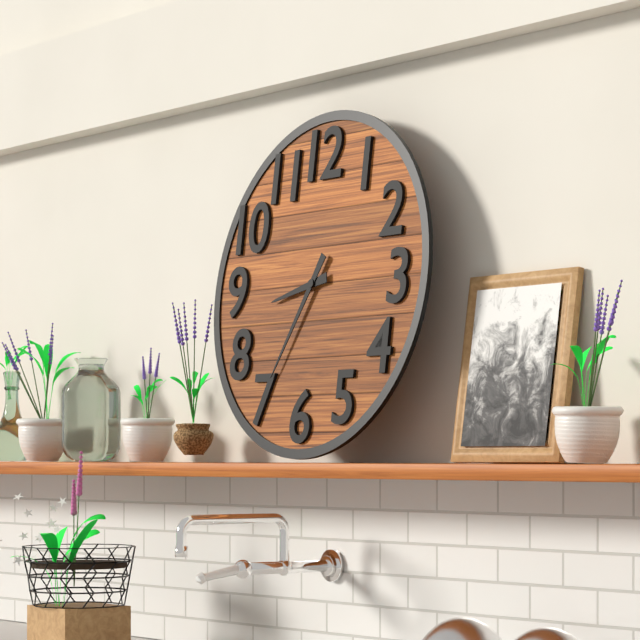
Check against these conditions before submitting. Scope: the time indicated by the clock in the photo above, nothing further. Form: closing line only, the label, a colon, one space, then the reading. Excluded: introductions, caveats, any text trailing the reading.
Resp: 8:35
